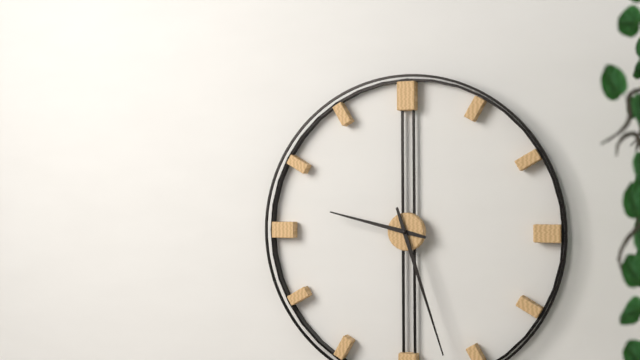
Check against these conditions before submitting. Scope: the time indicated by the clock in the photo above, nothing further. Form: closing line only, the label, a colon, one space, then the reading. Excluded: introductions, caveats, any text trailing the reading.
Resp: 9:27
